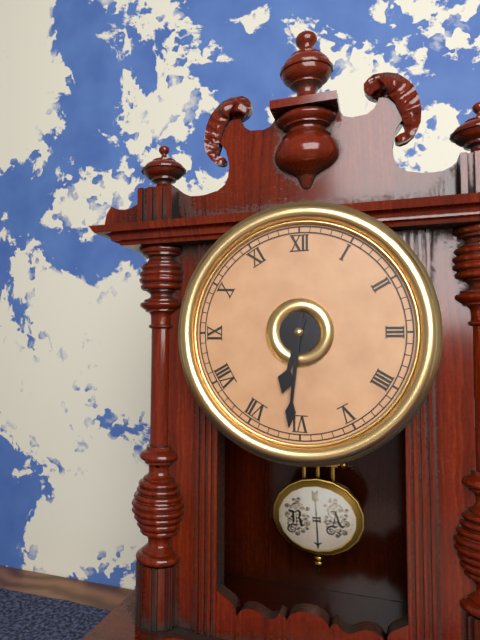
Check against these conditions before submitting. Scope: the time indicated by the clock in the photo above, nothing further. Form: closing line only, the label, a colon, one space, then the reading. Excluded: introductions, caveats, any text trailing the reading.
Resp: 6:31
